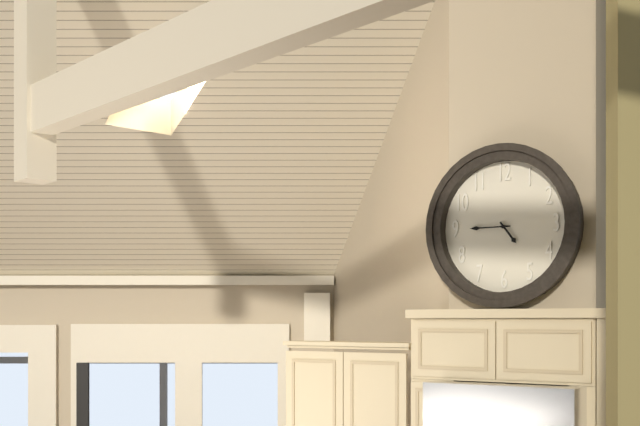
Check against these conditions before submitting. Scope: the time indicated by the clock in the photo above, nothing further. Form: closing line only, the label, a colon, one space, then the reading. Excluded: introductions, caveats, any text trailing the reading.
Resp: 4:45
